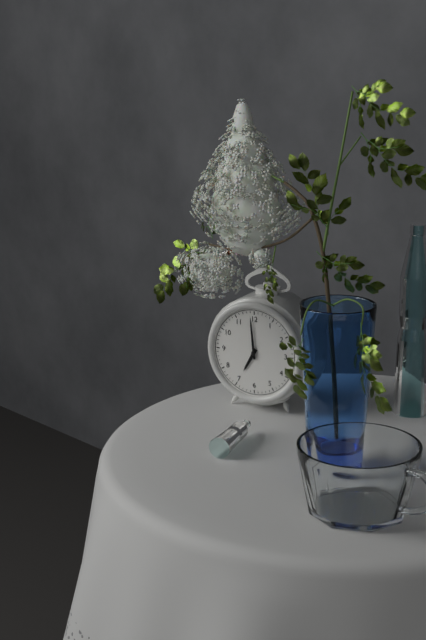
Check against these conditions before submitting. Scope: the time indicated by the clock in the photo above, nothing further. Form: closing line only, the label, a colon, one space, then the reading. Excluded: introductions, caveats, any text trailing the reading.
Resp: 6:59
